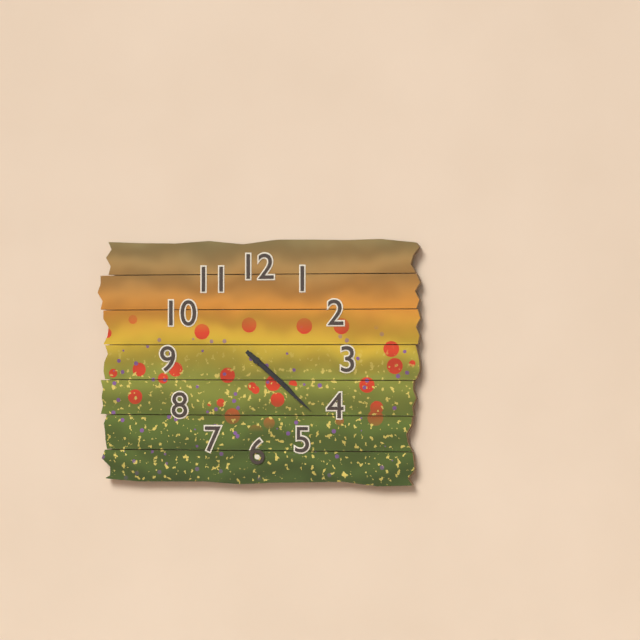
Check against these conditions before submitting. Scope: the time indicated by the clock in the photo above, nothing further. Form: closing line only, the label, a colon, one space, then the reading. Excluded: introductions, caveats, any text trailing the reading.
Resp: 4:22
